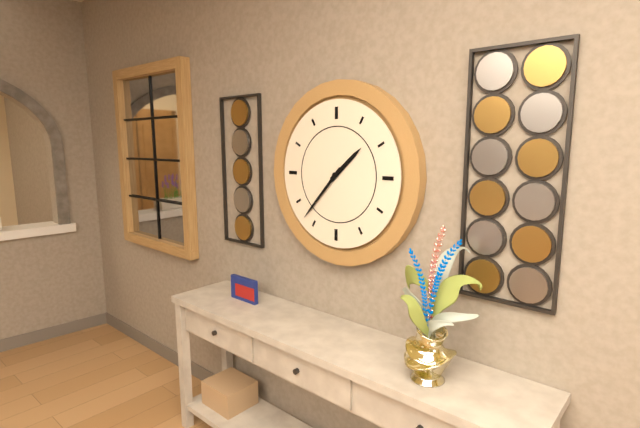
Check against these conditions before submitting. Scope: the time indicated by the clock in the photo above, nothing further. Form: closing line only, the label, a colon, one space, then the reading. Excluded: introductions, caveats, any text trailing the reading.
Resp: 1:37
